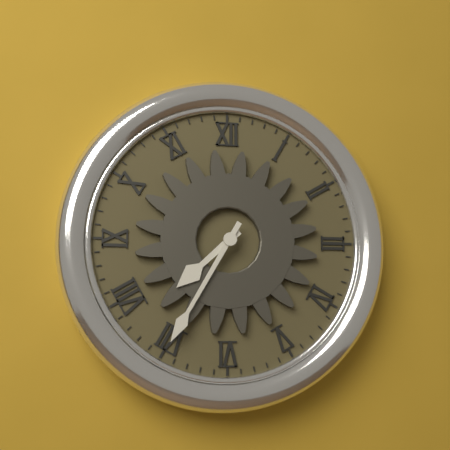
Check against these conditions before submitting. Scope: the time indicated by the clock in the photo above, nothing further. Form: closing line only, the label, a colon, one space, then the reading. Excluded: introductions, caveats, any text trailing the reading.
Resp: 7:35
